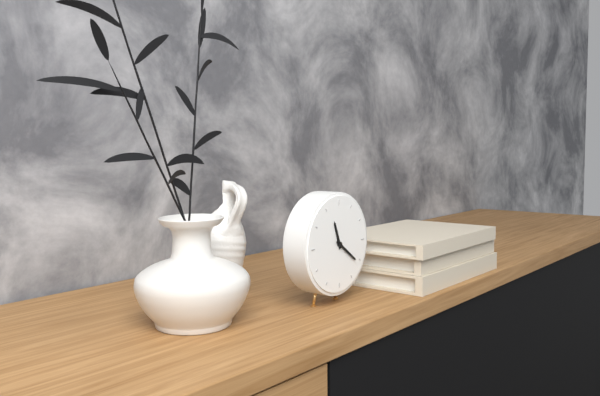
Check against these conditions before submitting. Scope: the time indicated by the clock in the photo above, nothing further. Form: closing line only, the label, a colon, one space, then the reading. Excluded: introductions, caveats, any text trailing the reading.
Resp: 11:21
